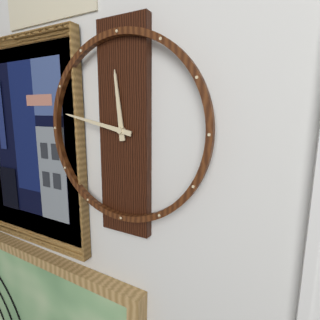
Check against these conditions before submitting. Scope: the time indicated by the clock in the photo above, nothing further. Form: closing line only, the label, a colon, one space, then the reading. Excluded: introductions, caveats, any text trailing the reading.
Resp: 11:47
